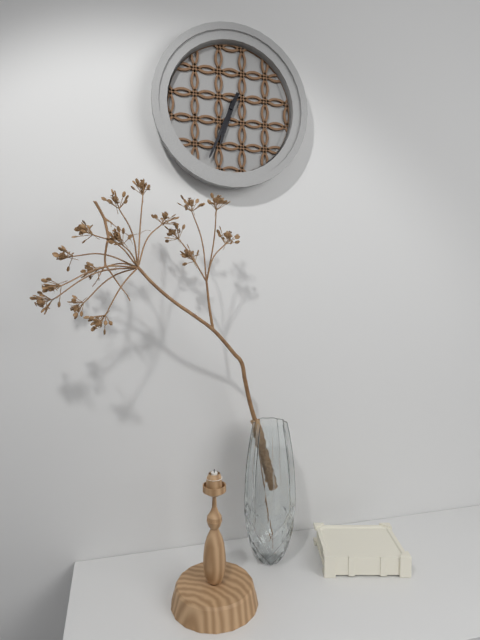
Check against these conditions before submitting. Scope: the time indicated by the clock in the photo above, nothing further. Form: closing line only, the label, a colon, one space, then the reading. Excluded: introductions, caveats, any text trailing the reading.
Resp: 6:34
